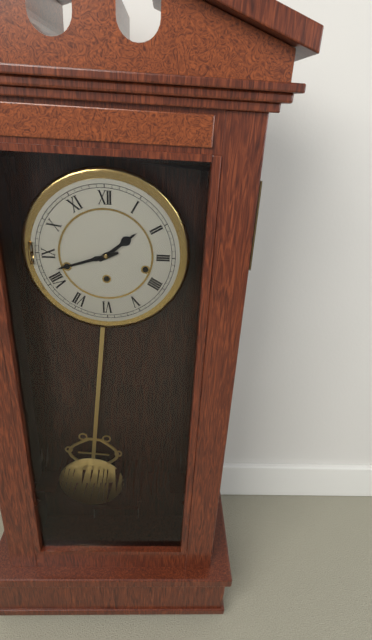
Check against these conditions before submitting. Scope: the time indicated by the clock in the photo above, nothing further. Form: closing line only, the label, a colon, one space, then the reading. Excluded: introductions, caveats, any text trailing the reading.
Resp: 1:42
